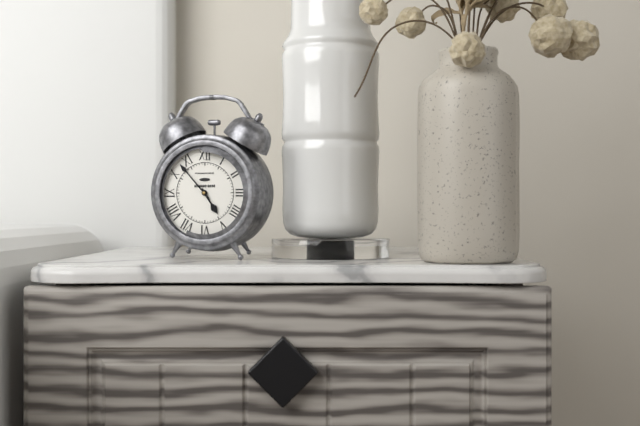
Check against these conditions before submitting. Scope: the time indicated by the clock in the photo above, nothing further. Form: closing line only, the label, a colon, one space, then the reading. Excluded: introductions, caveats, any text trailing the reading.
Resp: 4:53
